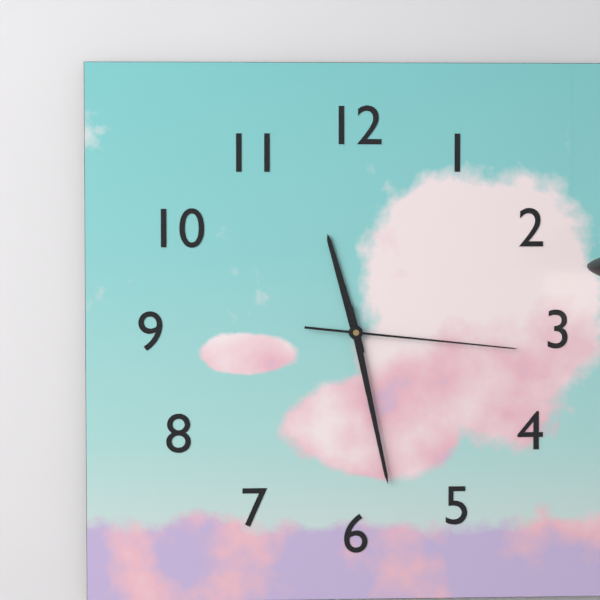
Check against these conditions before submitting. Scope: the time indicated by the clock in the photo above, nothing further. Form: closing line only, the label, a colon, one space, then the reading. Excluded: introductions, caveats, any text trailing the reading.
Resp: 11:28:16
